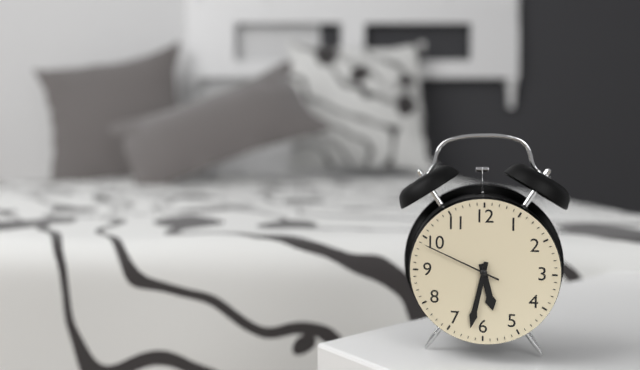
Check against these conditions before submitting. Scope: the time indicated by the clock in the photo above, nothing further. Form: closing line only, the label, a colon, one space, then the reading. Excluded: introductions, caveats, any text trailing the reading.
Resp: 5:32:49
